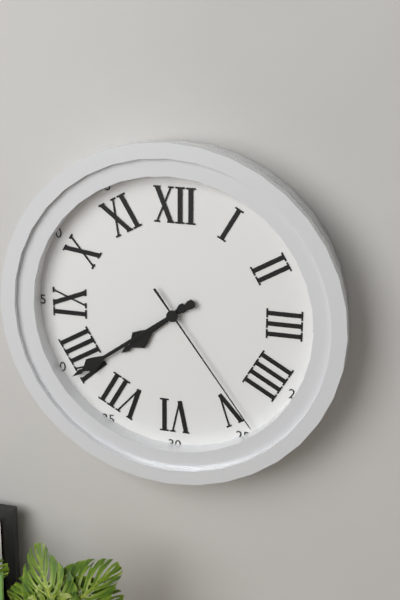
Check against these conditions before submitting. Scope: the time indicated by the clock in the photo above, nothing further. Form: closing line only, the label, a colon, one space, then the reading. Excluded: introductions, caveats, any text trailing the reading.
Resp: 7:39:24
